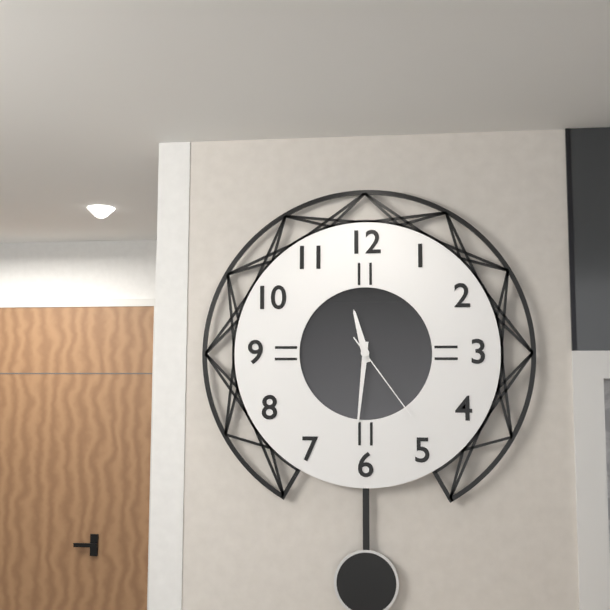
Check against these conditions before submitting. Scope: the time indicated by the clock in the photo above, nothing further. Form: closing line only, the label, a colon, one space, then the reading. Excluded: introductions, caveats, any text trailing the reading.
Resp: 11:31:24
